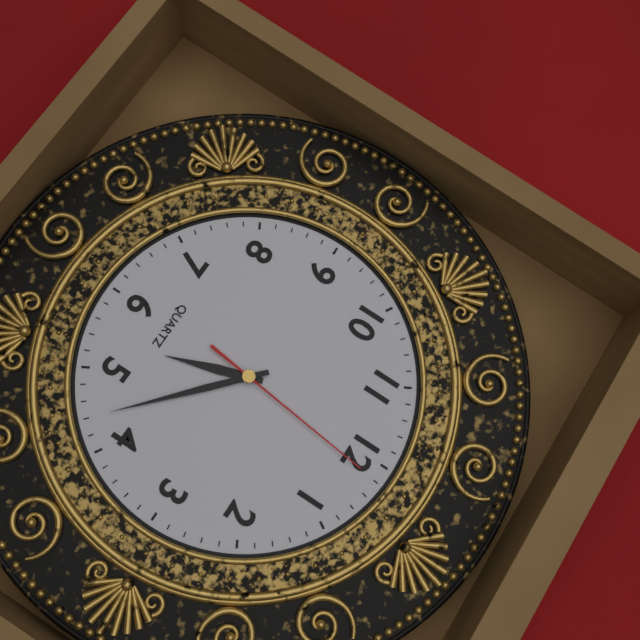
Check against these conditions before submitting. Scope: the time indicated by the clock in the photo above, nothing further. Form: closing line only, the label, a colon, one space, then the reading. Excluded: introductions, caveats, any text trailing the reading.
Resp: 5:22:01
